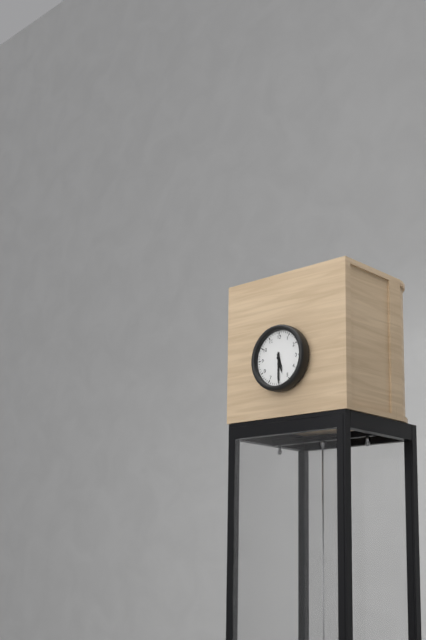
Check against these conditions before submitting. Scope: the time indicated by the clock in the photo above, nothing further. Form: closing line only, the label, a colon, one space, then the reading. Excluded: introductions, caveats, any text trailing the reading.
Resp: 5:30
